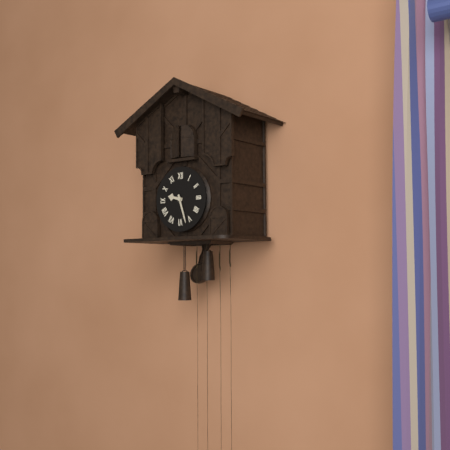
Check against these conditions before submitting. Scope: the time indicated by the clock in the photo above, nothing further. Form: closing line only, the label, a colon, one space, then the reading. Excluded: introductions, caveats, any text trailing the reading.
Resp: 9:27
